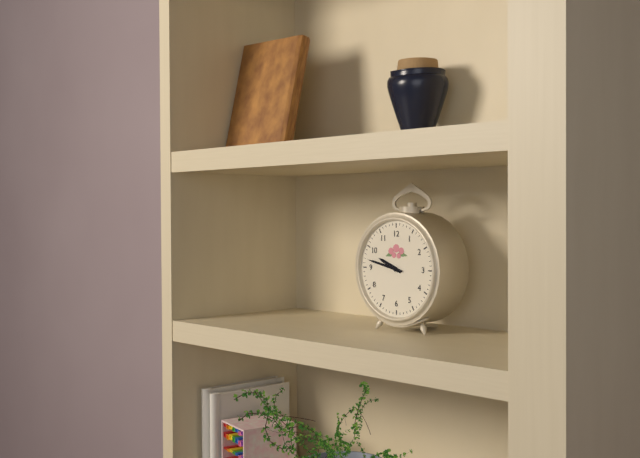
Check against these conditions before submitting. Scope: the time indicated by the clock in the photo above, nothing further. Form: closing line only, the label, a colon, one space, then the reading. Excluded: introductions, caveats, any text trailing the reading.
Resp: 9:47
